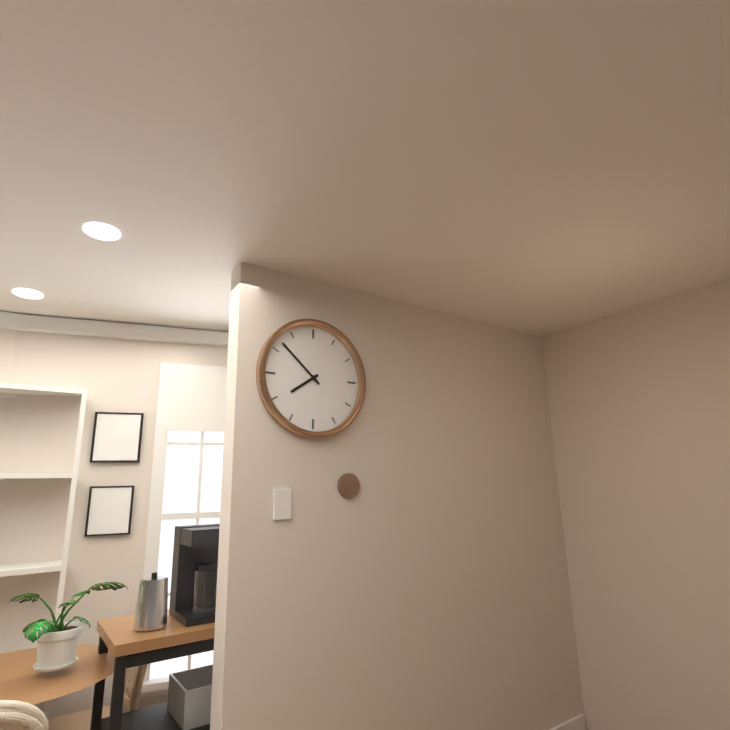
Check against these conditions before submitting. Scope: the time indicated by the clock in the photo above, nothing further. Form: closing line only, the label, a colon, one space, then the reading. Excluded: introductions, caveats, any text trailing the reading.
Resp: 7:52
